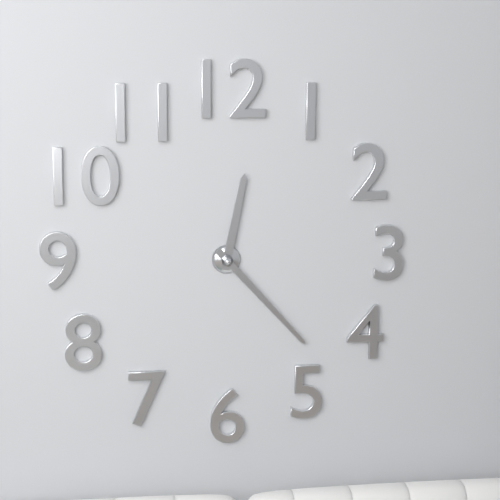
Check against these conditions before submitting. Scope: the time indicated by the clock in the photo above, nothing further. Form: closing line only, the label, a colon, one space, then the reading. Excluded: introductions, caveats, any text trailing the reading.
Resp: 12:23
